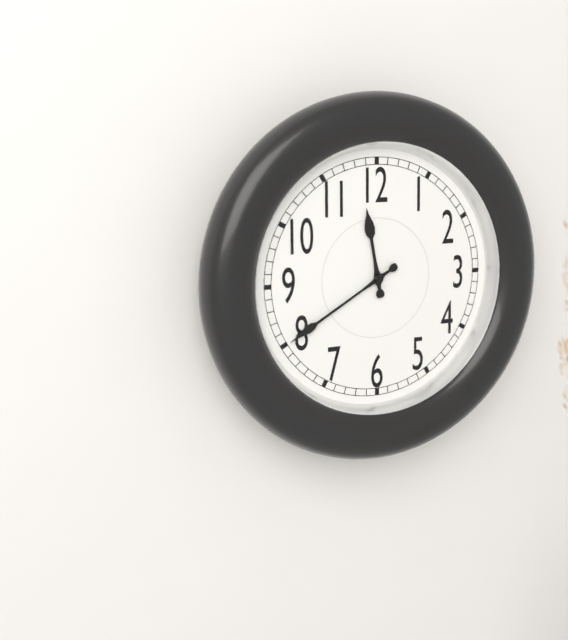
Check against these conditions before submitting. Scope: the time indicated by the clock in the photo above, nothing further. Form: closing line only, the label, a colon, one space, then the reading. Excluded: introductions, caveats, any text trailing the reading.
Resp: 11:40
